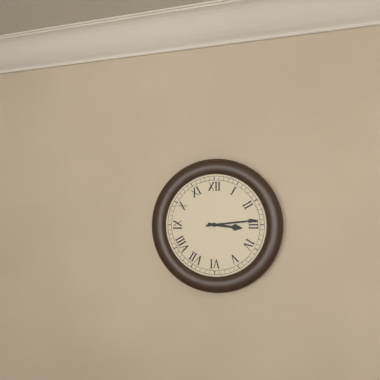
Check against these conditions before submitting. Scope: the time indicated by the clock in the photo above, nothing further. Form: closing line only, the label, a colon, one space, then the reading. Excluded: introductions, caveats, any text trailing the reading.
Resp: 3:14
